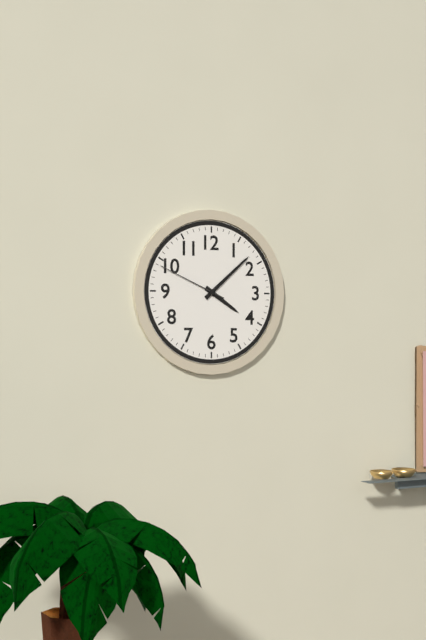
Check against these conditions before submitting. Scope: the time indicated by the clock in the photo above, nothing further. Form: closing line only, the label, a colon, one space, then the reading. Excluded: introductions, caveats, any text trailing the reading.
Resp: 4:08:49
